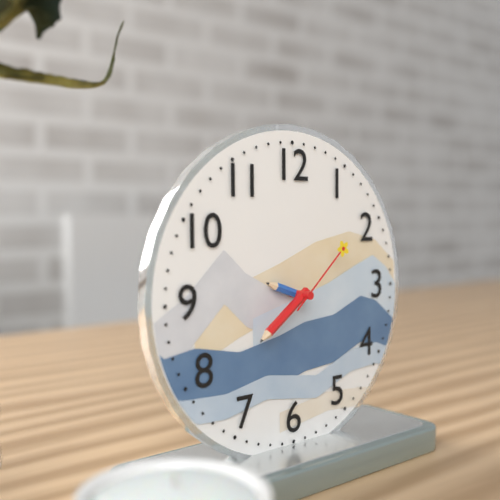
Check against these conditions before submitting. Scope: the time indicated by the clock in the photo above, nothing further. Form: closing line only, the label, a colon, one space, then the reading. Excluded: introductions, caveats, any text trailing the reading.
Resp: 9:39:08
